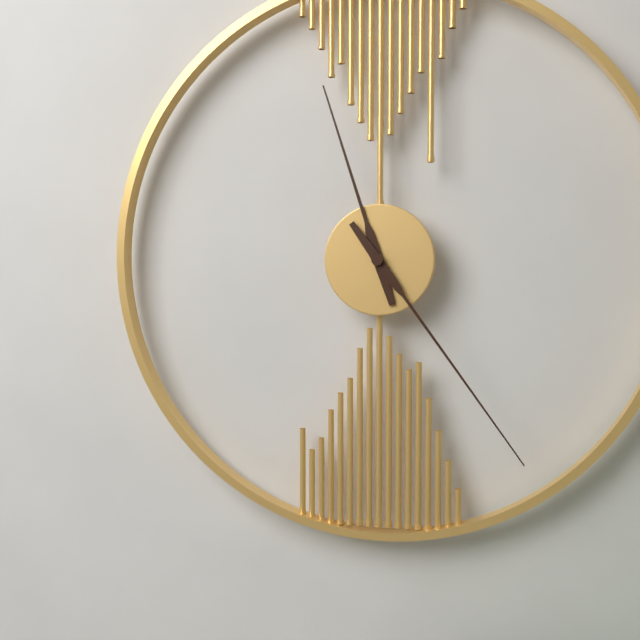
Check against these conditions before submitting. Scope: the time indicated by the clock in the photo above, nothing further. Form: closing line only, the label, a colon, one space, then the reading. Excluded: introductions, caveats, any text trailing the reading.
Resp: 11:24
